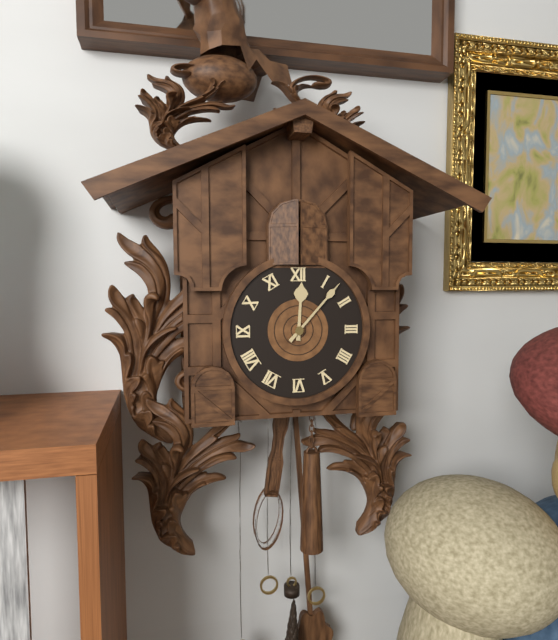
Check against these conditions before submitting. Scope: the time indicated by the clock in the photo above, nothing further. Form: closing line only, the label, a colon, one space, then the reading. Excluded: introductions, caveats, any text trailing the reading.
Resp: 12:07
